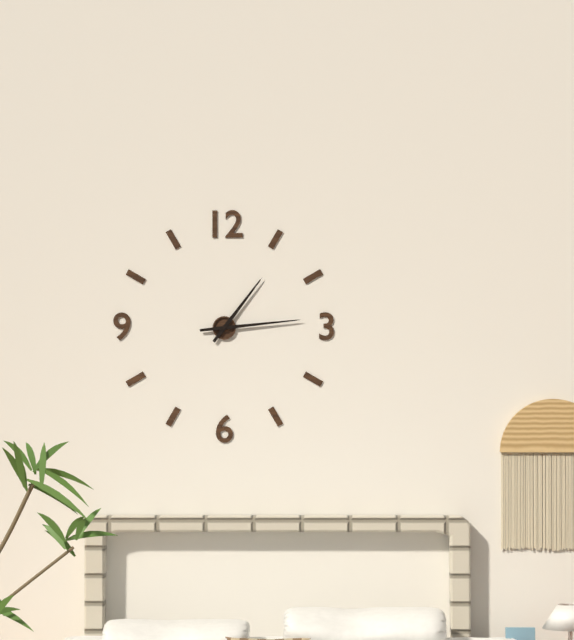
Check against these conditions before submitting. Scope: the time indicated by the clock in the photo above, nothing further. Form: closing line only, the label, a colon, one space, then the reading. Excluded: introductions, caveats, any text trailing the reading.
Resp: 1:14
